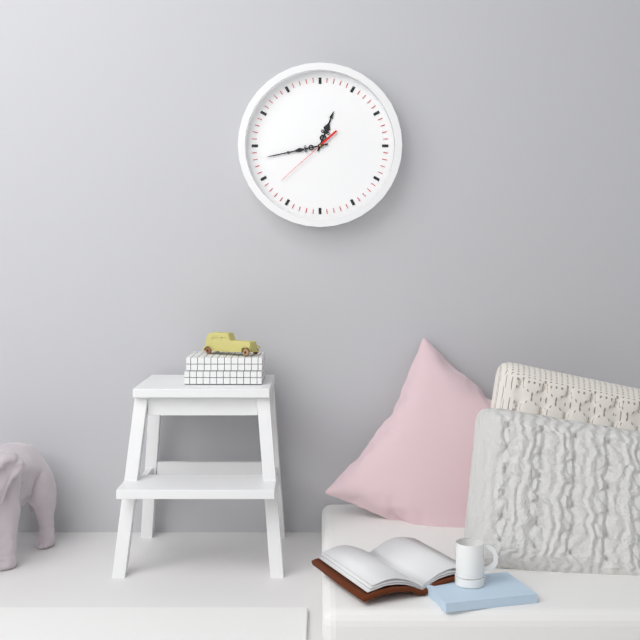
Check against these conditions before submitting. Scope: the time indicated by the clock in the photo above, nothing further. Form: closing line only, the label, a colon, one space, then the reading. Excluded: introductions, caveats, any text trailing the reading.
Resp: 12:43:38
